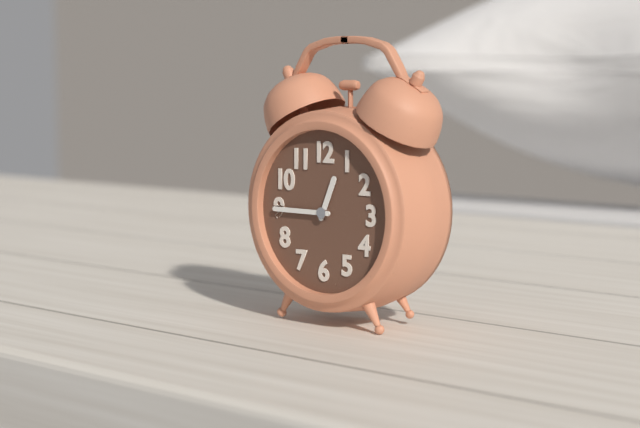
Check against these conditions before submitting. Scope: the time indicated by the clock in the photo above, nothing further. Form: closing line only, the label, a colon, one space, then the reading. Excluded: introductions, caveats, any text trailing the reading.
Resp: 12:45
